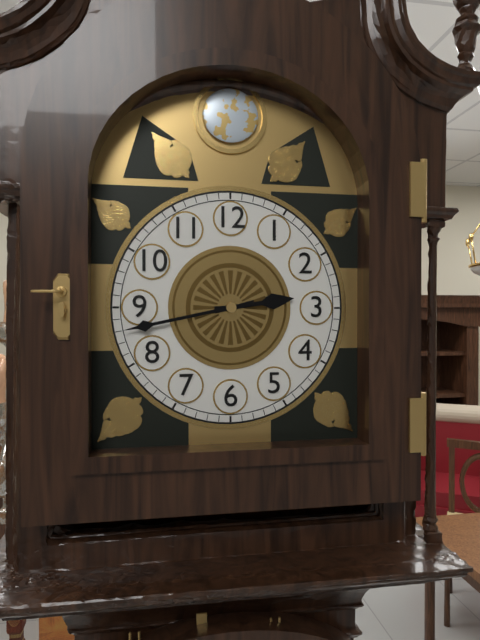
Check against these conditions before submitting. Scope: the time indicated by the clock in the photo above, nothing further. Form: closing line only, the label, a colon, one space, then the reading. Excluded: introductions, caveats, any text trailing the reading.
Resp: 2:43
